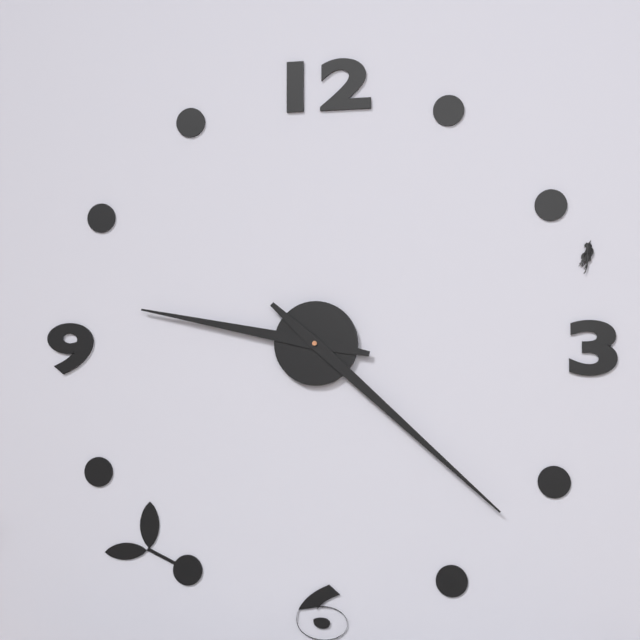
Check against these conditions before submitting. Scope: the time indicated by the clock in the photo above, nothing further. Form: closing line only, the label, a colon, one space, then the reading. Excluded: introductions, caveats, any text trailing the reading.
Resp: 9:22
